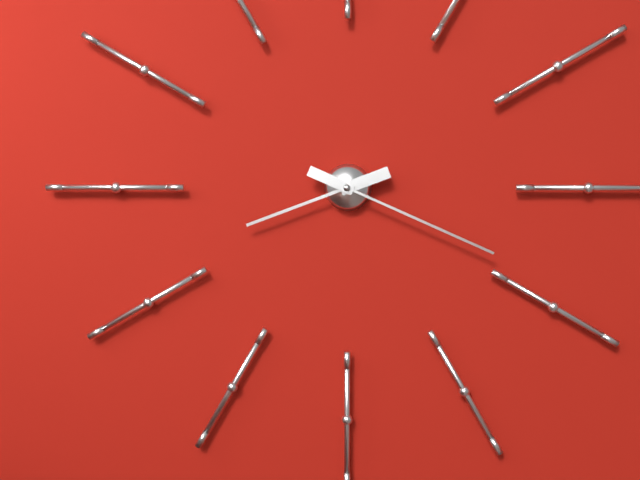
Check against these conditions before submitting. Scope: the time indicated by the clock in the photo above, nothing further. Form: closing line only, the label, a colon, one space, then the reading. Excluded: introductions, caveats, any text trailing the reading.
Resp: 8:19
